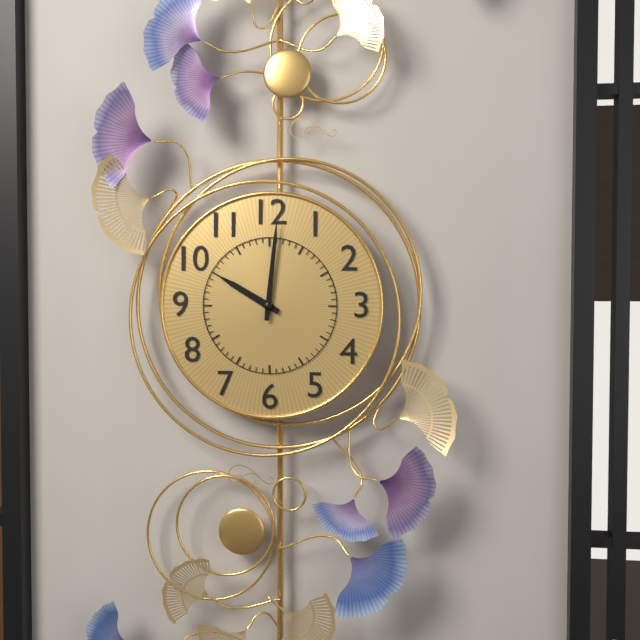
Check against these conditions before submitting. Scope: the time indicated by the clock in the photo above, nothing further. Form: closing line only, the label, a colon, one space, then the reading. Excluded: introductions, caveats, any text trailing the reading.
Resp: 10:01
